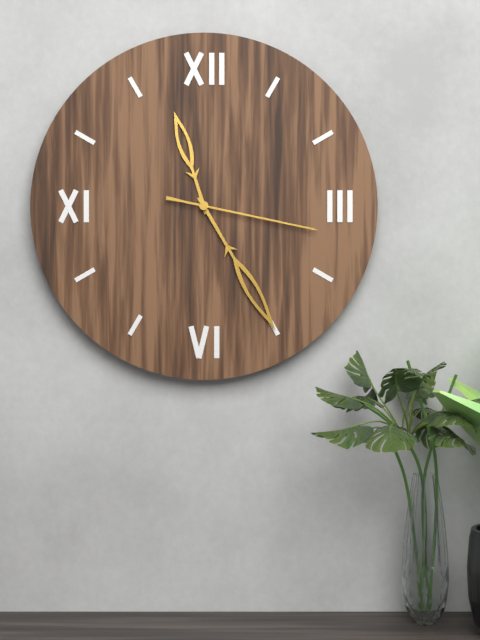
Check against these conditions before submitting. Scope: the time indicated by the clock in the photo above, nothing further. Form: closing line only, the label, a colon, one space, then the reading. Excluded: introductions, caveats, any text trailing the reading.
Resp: 11:25:17
